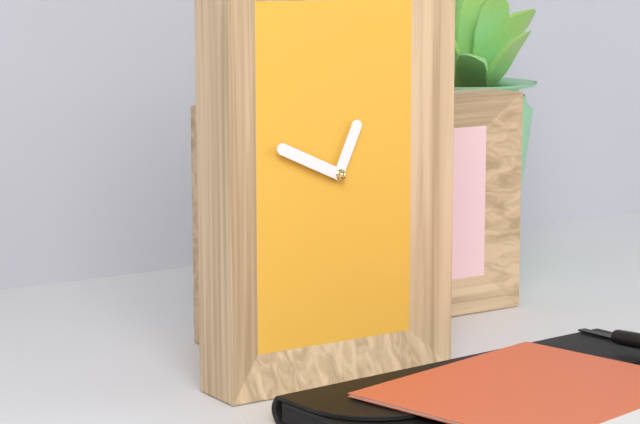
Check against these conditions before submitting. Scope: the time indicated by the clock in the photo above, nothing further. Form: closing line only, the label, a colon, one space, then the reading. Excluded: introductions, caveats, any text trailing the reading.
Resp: 12:49
